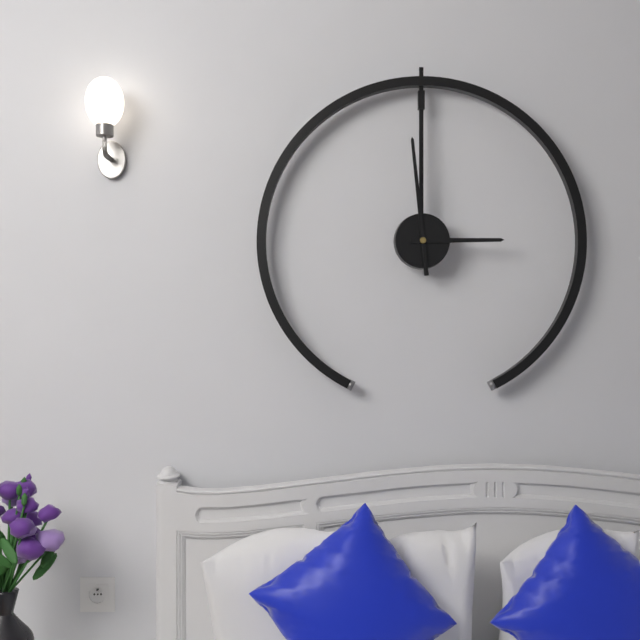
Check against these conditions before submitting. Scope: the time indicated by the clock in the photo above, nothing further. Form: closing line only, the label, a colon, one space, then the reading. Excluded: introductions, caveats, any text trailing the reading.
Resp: 2:59
